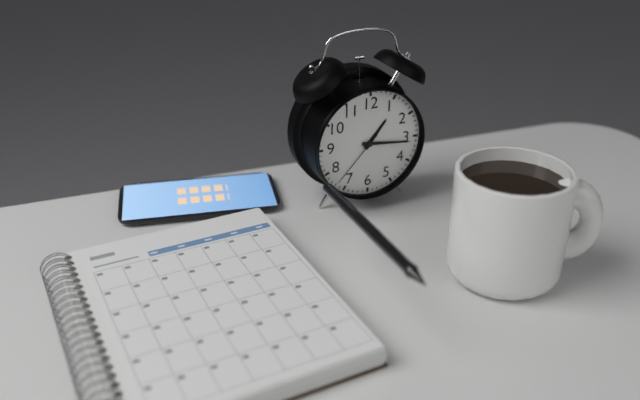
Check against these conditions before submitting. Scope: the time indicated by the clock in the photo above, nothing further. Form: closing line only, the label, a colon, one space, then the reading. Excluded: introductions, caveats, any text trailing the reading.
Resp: 1:16:37
